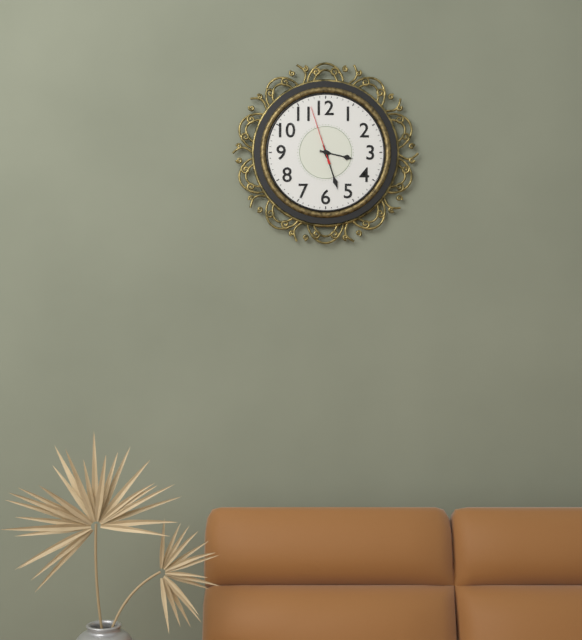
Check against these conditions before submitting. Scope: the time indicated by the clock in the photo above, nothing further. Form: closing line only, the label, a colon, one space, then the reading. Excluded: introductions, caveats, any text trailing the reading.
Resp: 3:27:57
